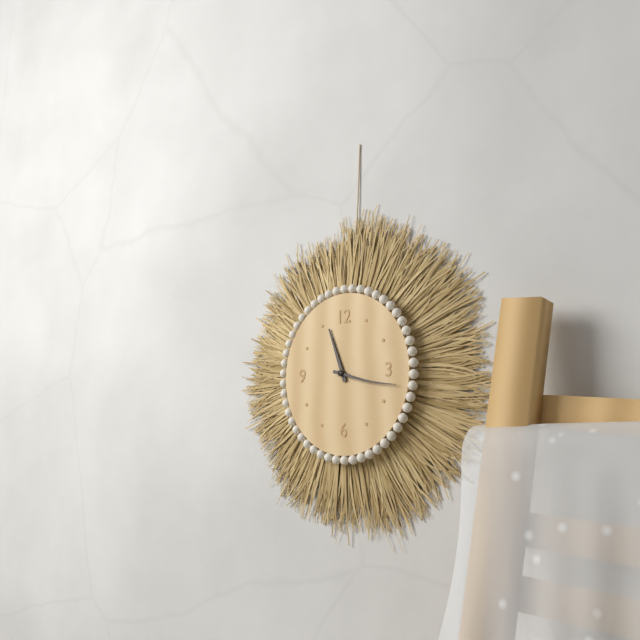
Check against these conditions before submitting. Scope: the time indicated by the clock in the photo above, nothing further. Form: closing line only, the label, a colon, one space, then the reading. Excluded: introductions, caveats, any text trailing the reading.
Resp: 11:17
